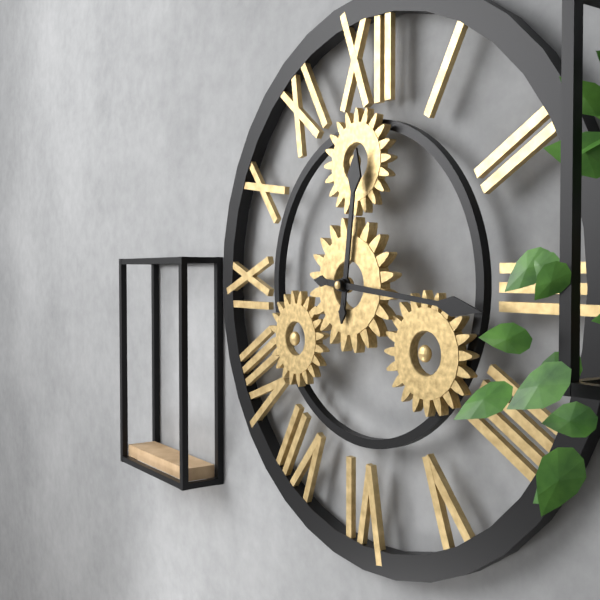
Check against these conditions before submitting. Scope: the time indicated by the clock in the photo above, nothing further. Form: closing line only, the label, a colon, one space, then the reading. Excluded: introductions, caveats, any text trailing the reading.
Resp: 12:16
